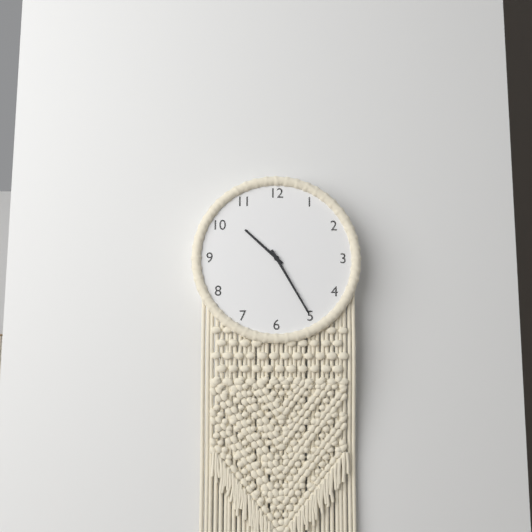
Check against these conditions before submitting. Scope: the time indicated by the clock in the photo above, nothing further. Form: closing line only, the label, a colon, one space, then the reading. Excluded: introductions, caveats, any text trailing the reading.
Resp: 10:25
